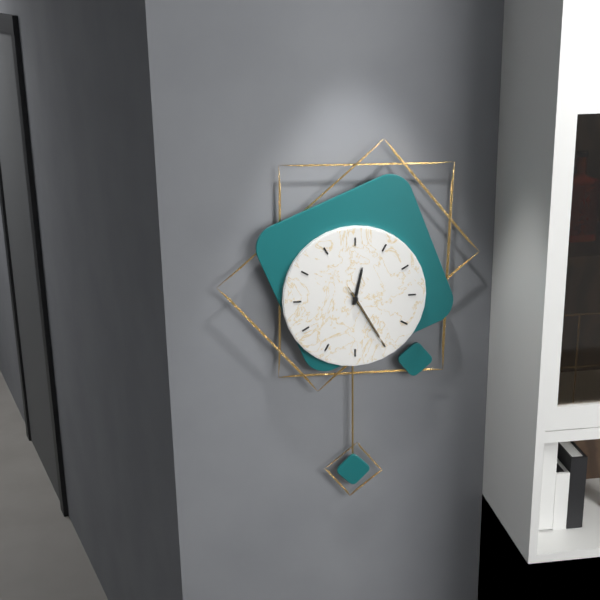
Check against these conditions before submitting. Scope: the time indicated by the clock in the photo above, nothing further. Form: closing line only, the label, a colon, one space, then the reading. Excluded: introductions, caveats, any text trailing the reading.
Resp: 12:25:25
